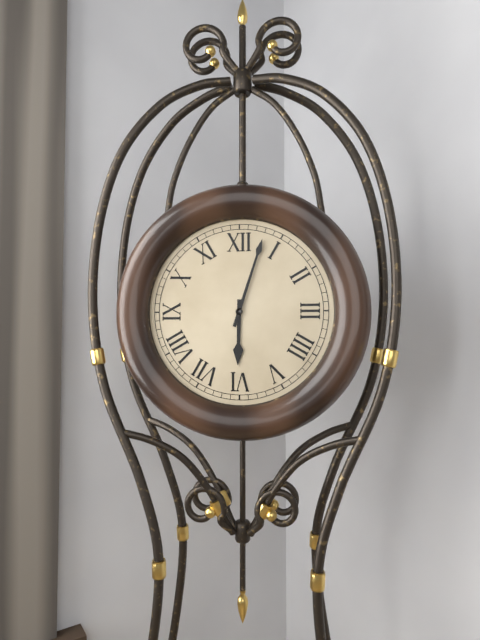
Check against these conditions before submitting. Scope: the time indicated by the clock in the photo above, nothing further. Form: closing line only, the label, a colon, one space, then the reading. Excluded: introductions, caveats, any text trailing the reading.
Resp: 6:03
